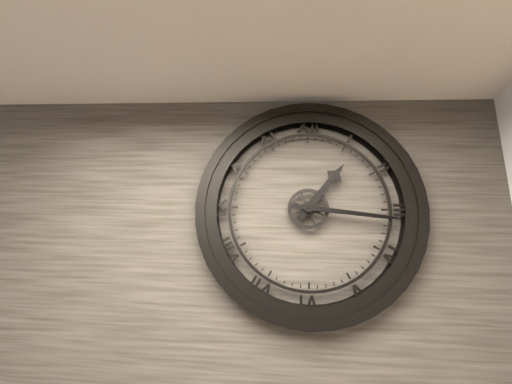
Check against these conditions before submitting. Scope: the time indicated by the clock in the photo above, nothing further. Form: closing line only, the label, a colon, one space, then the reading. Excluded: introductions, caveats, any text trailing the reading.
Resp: 1:16
